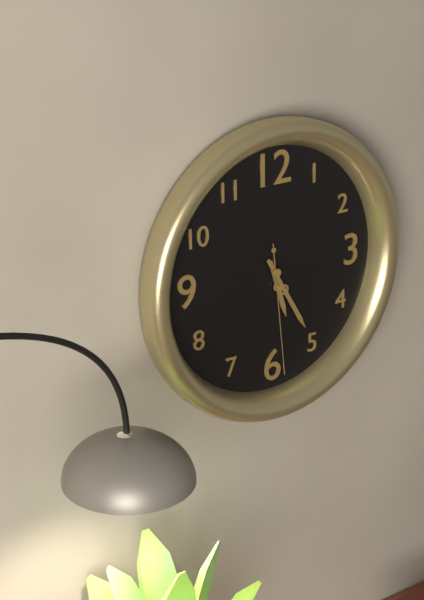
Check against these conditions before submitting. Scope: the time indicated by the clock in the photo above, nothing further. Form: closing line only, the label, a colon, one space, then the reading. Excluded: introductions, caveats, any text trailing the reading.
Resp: 5:25:29
